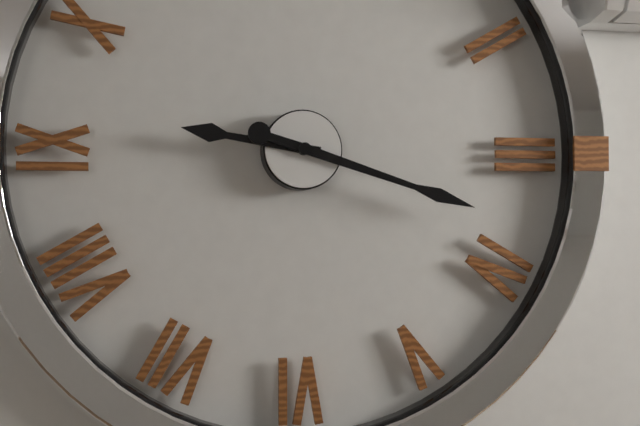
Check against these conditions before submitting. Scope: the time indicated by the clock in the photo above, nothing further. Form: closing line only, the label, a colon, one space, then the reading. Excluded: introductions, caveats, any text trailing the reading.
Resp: 9:18
